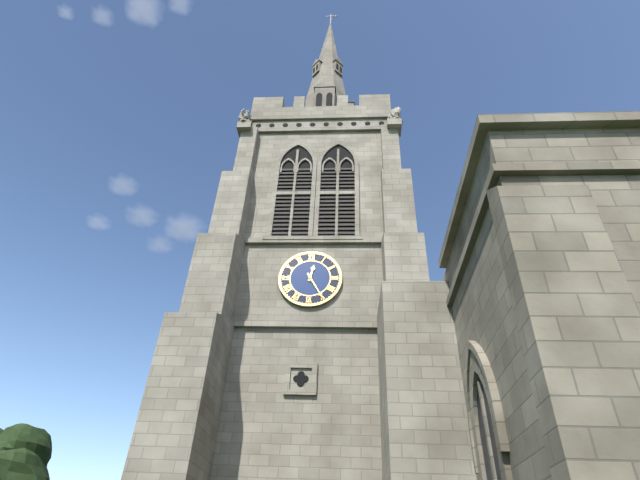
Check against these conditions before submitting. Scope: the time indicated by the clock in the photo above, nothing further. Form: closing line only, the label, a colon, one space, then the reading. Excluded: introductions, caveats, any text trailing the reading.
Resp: 12:25
